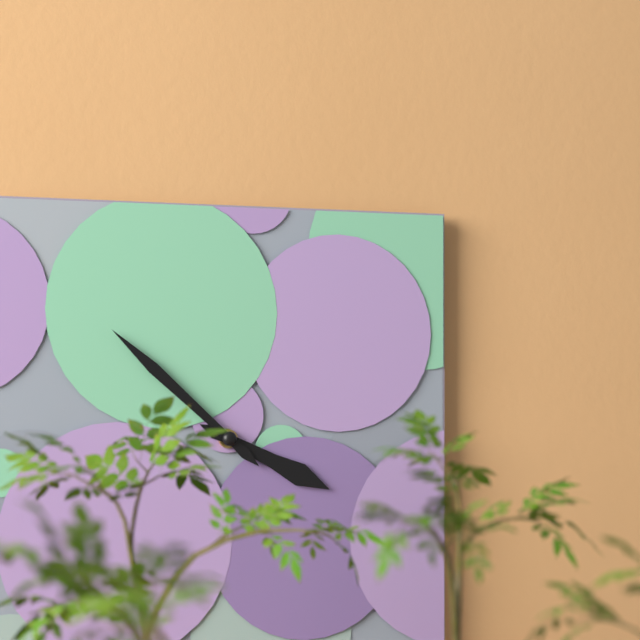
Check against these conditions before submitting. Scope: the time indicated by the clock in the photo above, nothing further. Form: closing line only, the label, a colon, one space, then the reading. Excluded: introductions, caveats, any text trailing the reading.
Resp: 3:52
